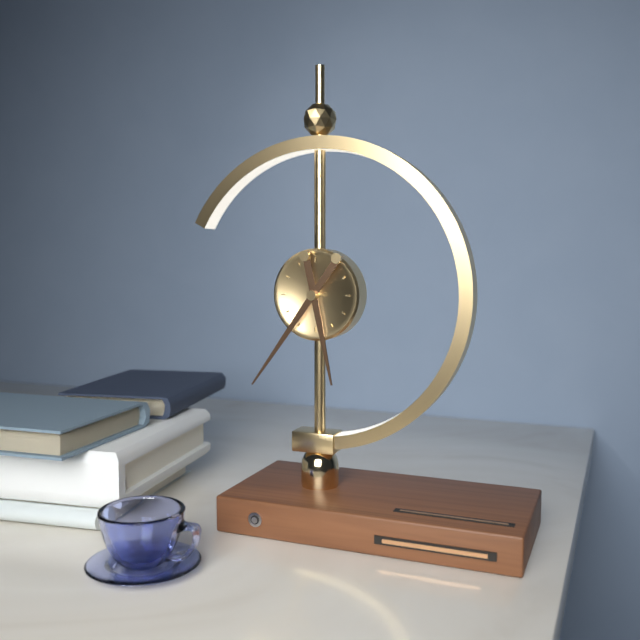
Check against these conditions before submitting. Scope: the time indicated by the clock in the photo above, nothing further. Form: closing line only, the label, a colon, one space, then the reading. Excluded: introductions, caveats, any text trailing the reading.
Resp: 5:36
